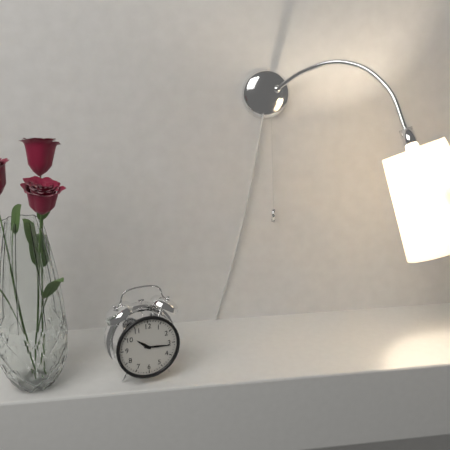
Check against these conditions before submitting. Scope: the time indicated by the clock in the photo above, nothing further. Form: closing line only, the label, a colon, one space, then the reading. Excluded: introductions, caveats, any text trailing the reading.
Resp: 10:16
